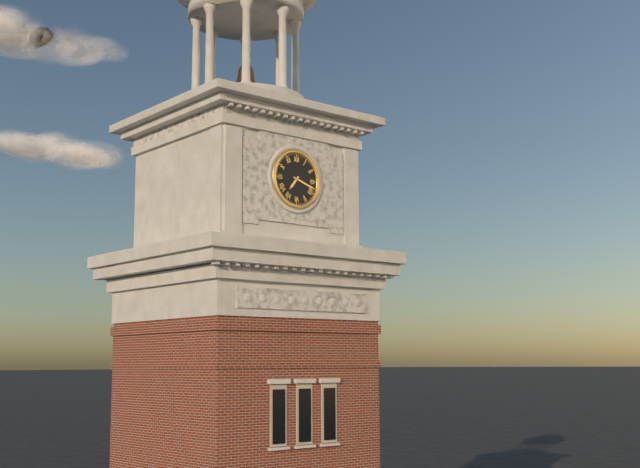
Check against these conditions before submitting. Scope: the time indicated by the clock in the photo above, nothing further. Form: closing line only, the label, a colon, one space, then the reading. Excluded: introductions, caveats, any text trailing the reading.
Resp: 7:18
